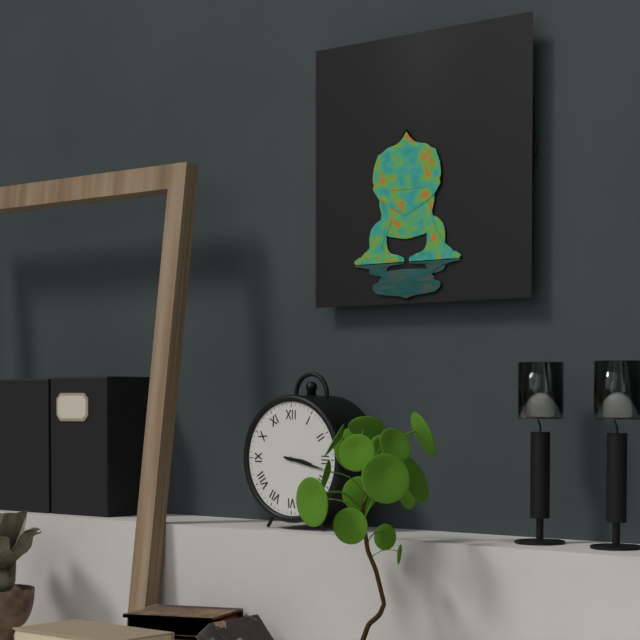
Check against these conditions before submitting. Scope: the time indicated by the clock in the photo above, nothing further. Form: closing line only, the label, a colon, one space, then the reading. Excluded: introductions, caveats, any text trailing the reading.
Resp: 3:17
